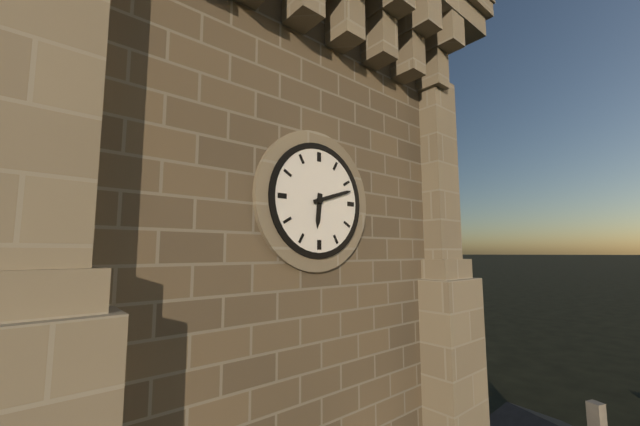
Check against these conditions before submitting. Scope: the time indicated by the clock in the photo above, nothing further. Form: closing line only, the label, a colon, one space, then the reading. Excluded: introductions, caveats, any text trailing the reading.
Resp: 6:12
